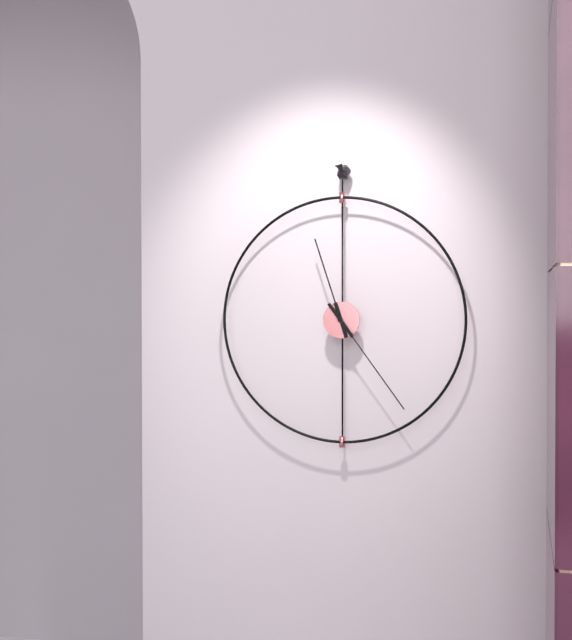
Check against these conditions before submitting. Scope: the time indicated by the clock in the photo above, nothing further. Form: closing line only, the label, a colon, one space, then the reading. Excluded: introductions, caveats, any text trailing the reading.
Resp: 11:24
